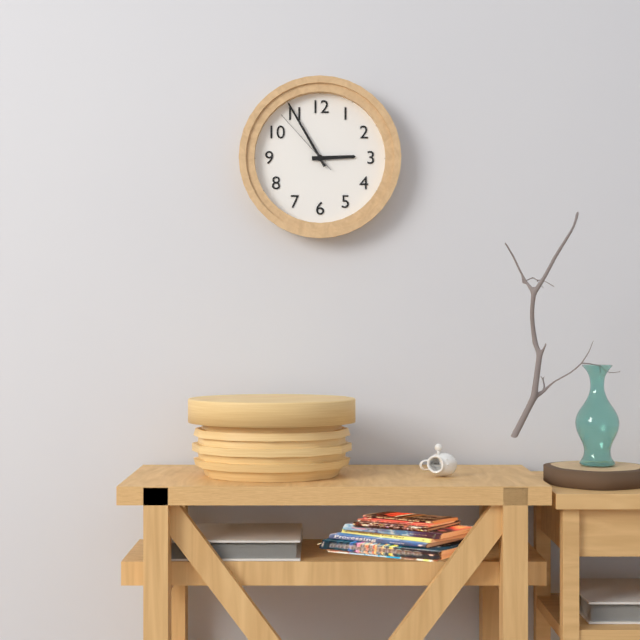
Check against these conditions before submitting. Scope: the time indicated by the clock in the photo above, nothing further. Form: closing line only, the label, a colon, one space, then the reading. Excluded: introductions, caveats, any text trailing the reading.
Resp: 2:55:53
